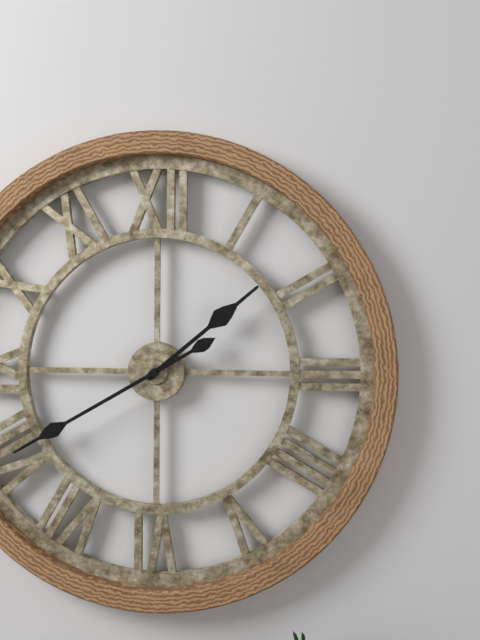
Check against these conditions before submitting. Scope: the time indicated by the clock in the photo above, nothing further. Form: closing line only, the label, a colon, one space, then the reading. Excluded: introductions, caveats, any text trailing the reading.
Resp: 1:40
